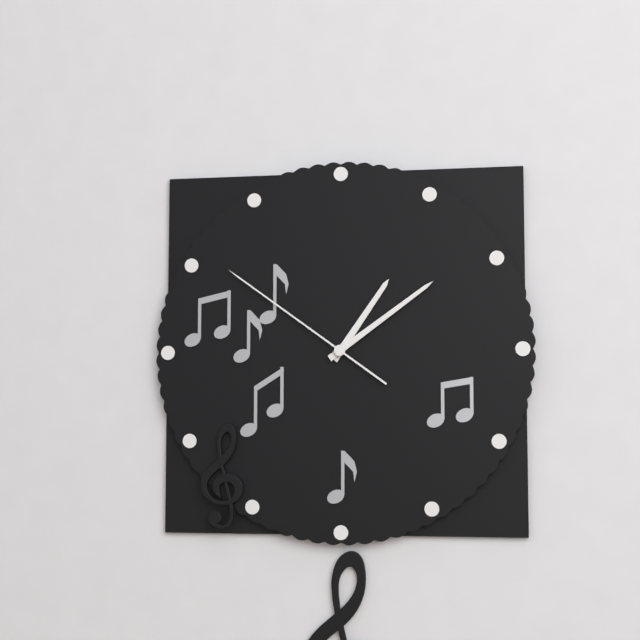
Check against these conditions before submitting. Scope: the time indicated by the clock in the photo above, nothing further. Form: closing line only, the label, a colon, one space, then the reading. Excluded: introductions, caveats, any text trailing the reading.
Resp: 1:09:51
